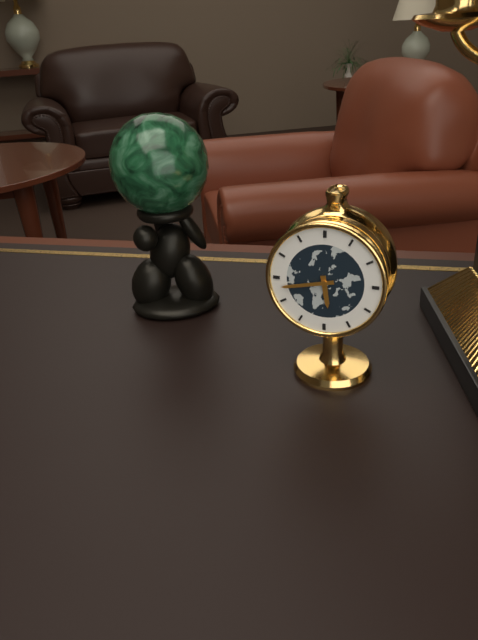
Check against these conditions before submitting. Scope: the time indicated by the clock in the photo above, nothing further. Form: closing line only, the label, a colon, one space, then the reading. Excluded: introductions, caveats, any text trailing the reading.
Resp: 5:43
